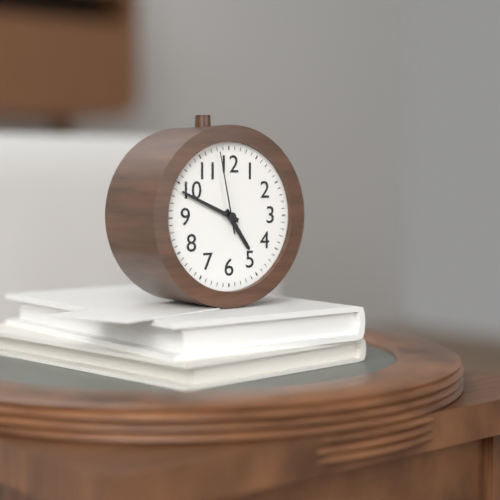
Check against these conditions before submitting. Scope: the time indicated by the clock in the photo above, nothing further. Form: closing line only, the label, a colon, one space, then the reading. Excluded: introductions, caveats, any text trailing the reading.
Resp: 4:49:58
